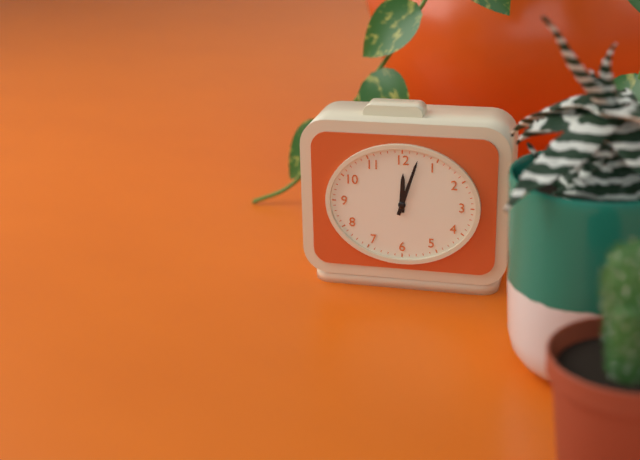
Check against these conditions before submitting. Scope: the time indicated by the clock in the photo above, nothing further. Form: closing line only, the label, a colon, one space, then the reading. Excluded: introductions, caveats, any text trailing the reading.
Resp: 12:03
